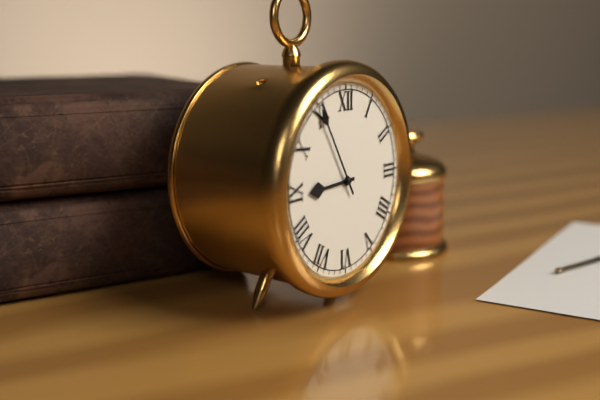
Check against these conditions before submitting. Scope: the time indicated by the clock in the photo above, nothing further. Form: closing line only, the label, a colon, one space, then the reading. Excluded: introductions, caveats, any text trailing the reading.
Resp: 8:55
